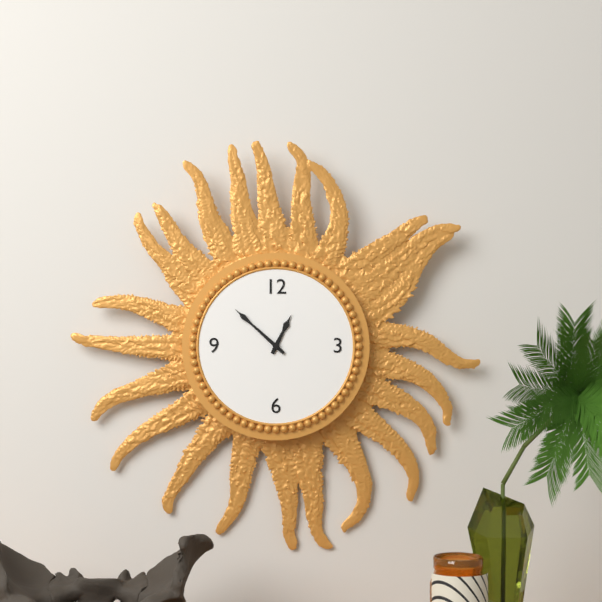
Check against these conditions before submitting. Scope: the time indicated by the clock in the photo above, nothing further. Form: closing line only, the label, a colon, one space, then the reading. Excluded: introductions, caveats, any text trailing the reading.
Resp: 12:52
